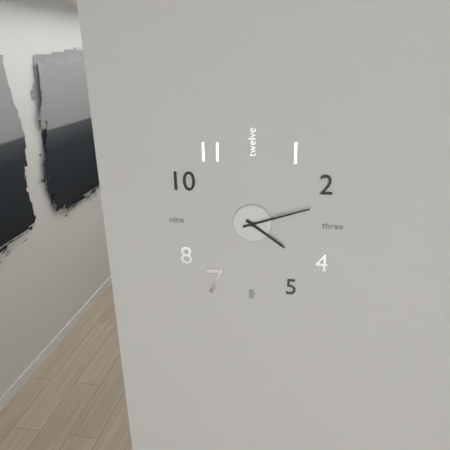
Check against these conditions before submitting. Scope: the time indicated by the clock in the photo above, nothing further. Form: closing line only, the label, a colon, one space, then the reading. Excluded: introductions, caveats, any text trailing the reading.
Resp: 4:12
